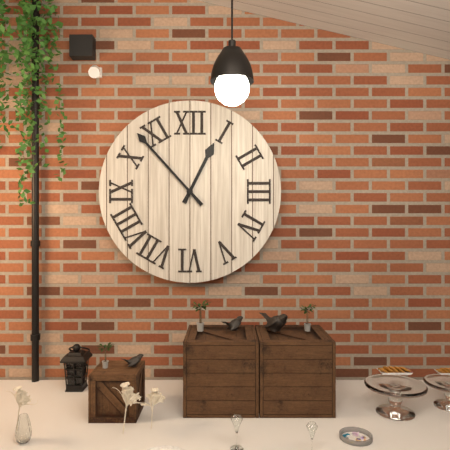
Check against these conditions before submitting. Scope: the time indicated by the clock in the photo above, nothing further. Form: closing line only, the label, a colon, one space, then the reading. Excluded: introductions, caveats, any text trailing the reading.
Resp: 12:53
